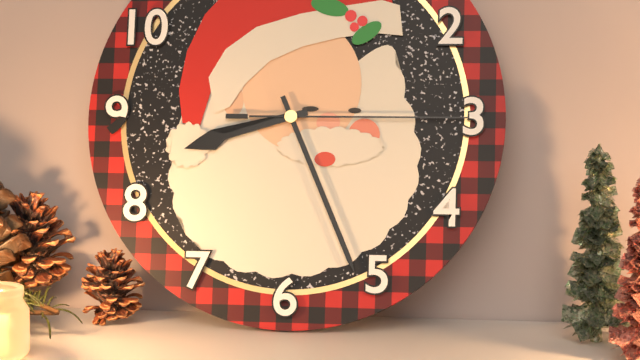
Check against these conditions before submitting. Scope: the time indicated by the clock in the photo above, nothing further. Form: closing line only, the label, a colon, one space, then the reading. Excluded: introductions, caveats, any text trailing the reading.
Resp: 8:26:15
